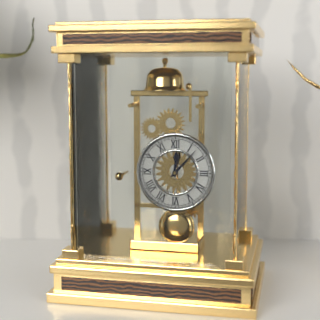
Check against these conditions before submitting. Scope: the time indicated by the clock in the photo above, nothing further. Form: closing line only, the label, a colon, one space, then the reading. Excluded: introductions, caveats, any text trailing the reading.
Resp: 12:07
